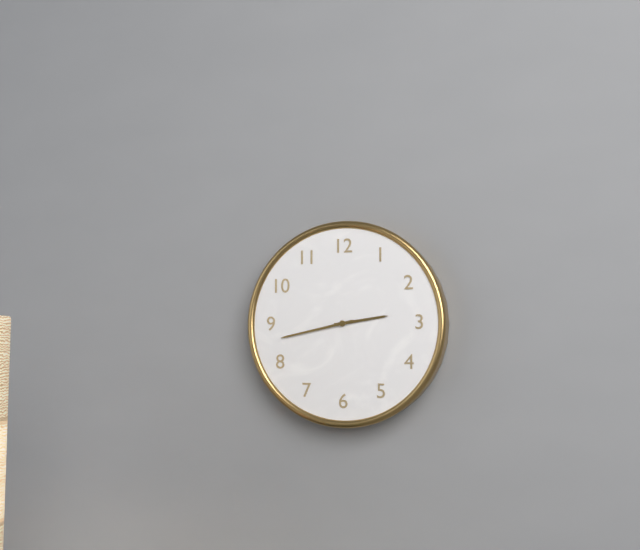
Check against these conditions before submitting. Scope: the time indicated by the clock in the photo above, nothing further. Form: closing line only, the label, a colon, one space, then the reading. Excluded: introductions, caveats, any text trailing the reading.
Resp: 2:43
